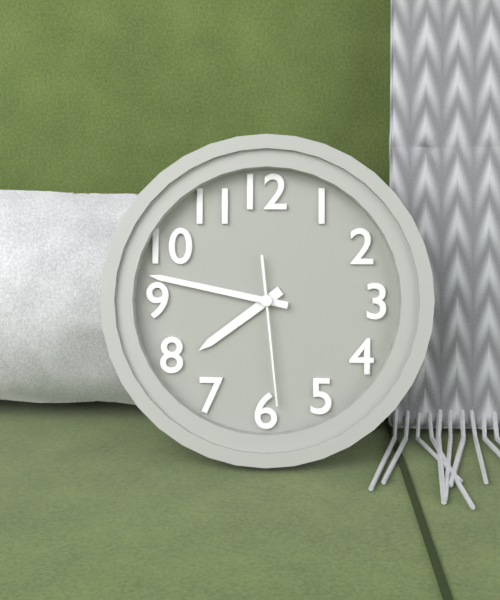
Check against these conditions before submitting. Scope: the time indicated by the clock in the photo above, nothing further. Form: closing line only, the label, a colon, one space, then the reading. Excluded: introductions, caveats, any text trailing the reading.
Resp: 7:47:29
